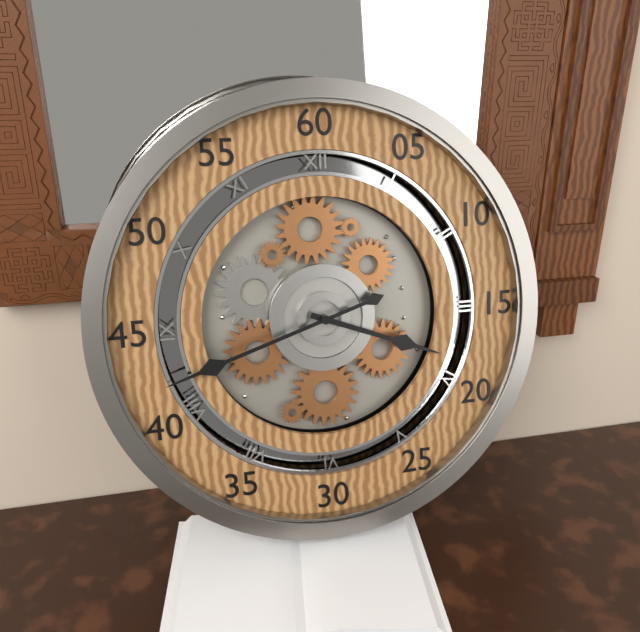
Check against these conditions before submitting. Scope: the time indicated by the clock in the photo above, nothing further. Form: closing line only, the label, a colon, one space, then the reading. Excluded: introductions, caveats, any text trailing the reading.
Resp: 3:42
